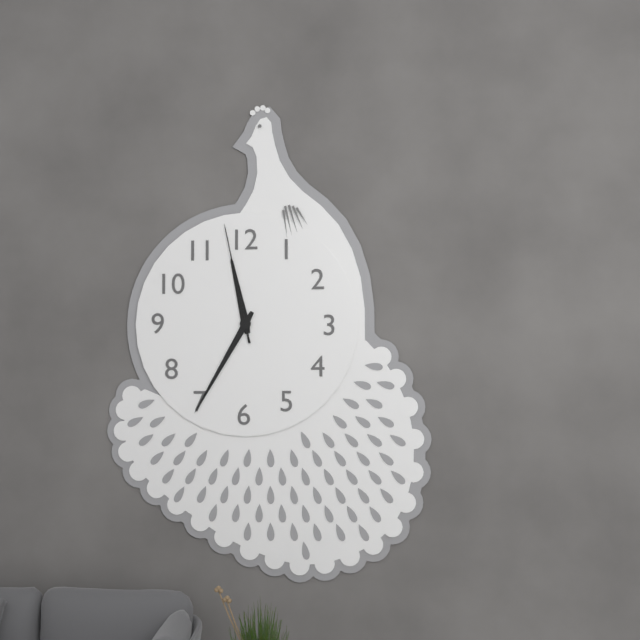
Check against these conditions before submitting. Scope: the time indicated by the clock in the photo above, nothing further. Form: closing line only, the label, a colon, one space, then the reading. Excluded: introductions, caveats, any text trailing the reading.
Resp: 11:35:58
